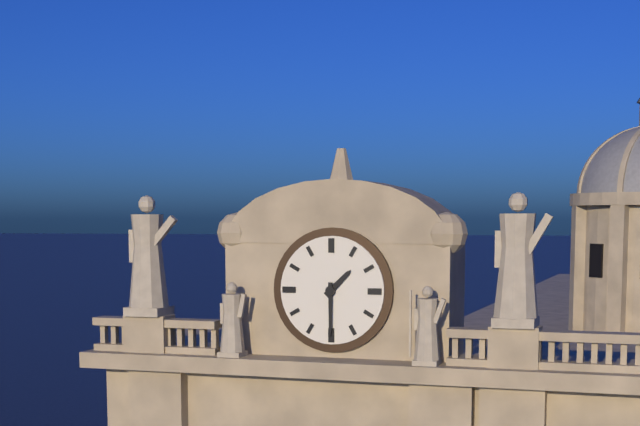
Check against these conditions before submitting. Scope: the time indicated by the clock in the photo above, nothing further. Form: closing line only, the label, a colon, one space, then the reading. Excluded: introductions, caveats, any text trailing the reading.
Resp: 1:30
